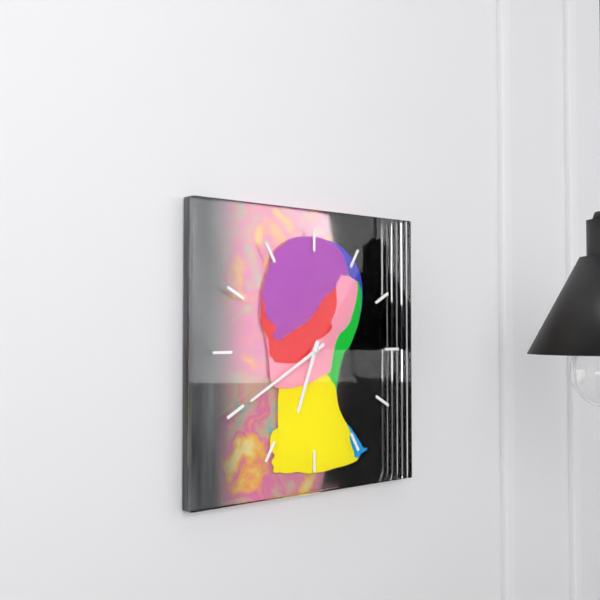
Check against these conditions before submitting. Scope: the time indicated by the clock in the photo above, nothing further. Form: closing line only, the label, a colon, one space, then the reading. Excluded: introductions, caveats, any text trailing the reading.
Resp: 6:40
